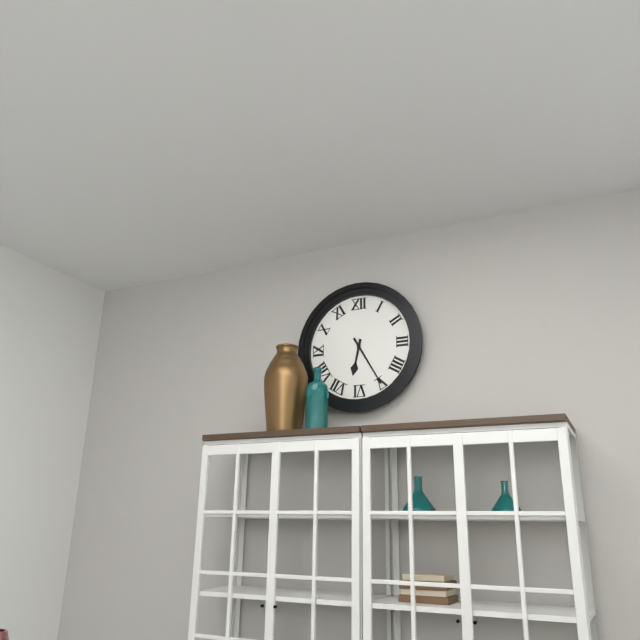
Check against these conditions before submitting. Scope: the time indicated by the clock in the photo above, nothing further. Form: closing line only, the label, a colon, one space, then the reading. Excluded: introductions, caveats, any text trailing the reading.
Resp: 6:25
